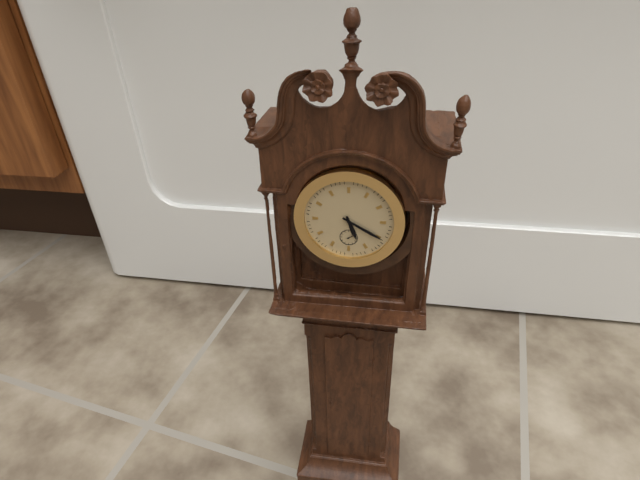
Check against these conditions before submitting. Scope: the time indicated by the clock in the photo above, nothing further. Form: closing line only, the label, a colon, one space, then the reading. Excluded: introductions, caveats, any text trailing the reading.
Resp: 5:20
